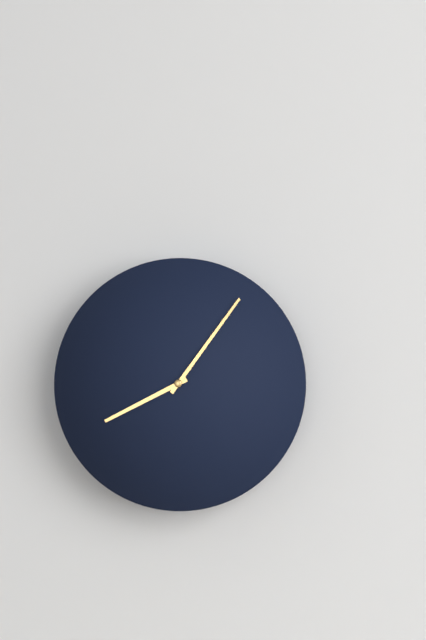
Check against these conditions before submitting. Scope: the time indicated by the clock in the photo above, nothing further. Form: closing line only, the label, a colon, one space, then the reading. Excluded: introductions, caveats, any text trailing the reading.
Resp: 8:06
